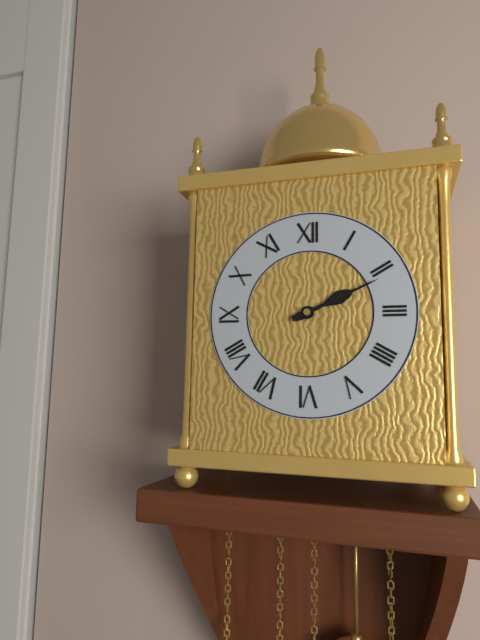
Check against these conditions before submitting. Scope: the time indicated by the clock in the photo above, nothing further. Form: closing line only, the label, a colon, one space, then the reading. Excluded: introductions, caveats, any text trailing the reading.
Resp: 2:11
